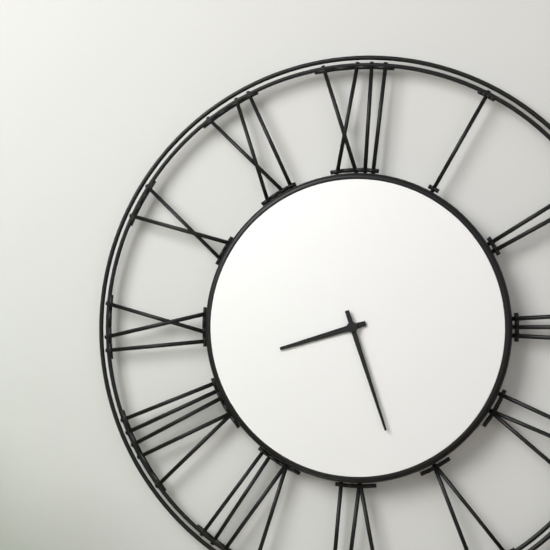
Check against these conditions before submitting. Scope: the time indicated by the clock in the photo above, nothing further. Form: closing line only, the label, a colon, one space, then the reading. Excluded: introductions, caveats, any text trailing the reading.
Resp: 8:27
